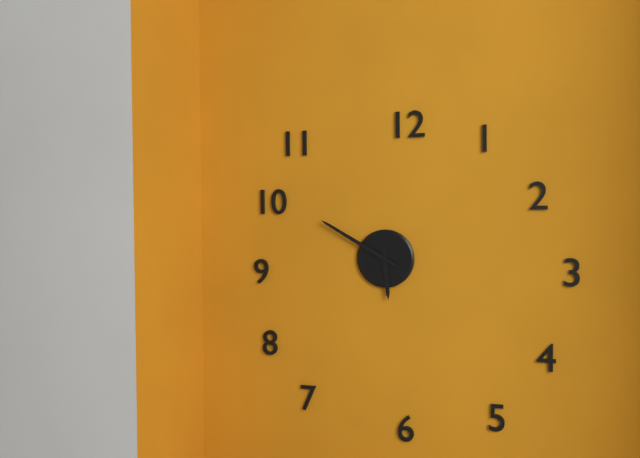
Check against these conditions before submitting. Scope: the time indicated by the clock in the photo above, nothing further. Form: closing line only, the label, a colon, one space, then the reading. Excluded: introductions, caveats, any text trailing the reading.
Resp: 5:50
